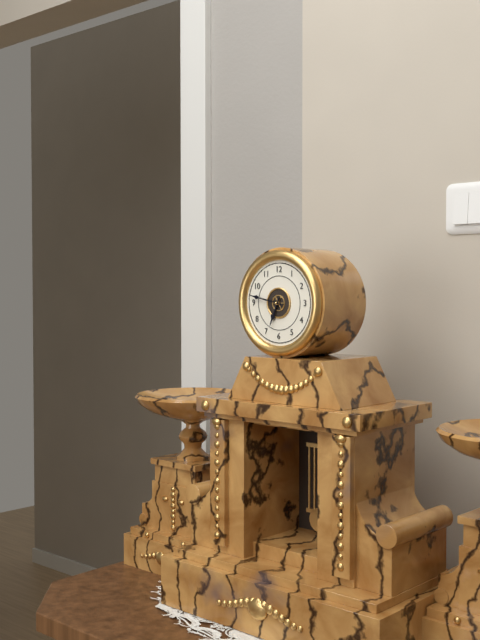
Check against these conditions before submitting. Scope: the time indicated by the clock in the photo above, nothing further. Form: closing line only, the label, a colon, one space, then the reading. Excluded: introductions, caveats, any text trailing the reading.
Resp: 6:47
